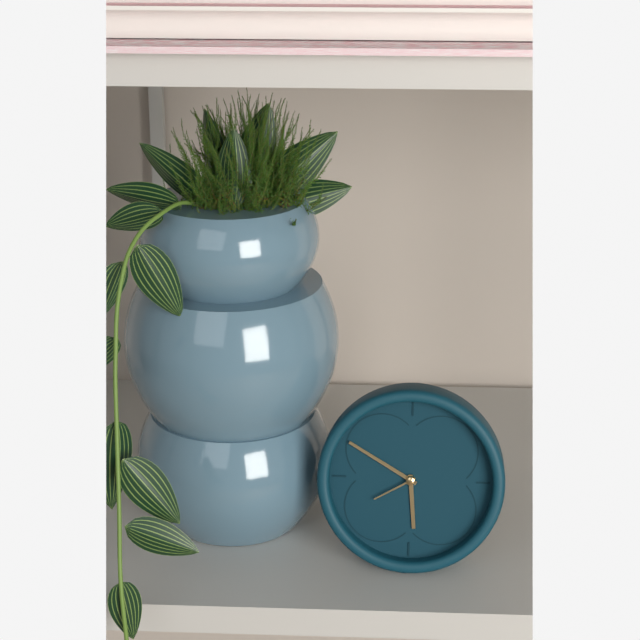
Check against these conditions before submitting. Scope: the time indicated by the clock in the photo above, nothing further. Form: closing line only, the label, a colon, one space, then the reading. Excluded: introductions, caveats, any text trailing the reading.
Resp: 5:50:40
